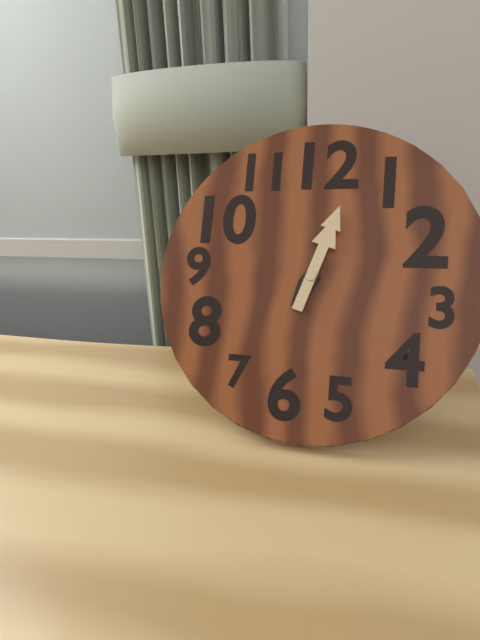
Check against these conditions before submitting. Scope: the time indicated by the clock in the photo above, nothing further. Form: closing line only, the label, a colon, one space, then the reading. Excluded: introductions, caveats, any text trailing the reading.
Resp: 7:03
